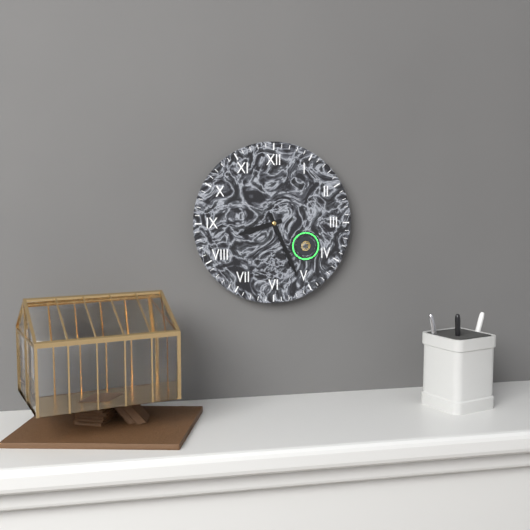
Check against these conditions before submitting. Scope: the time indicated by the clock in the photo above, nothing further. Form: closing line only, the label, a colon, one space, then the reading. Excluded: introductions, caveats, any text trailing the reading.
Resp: 8:26
